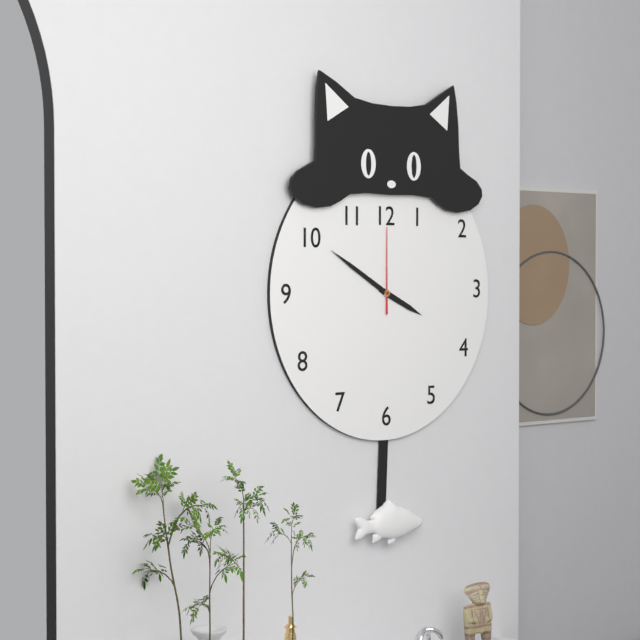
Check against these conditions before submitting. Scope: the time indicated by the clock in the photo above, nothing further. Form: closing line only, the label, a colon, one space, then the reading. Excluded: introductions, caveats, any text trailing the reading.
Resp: 3:50:00
